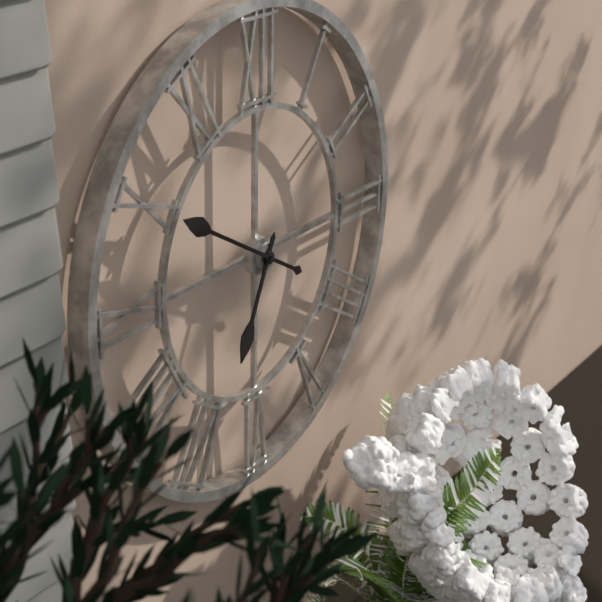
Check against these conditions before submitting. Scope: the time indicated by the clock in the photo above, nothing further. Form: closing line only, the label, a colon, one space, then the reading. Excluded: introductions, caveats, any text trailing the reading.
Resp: 6:50
